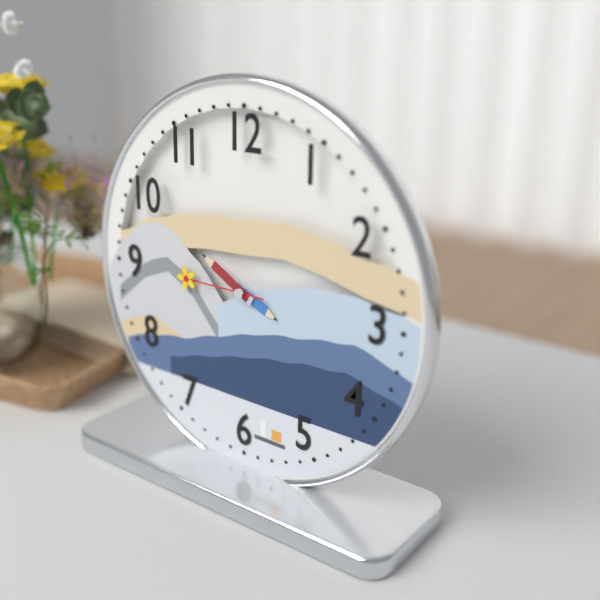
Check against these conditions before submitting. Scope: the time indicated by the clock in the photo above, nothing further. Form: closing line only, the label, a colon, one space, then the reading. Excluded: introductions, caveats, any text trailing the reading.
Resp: 3:50:45
